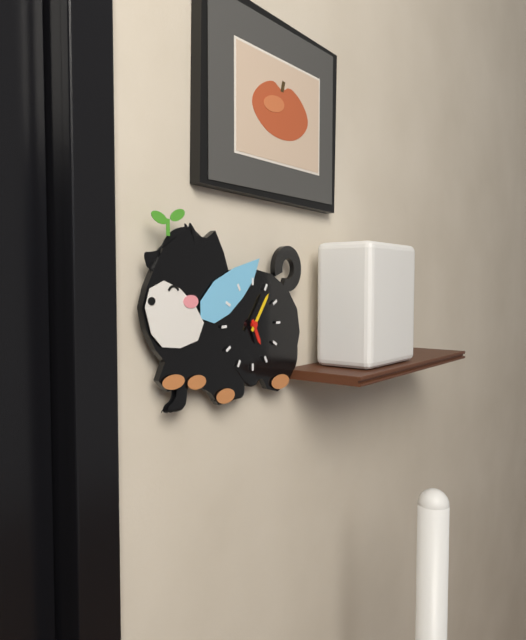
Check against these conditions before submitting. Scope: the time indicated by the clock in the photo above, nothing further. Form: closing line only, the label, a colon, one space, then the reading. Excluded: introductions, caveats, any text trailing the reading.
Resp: 5:06
